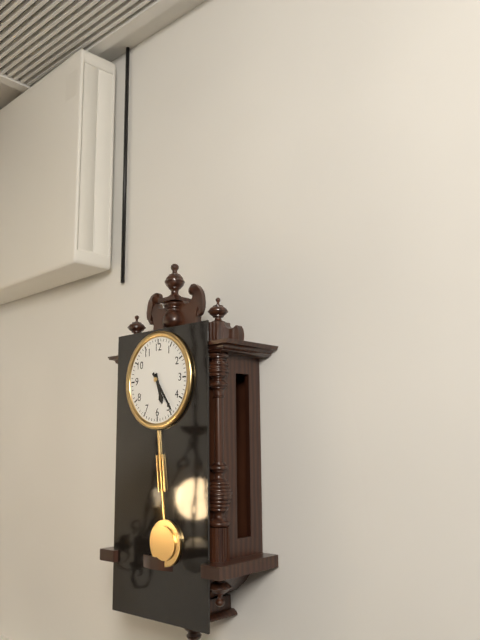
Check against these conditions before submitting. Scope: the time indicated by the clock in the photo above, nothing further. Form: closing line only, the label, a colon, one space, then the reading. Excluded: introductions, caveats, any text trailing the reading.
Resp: 5:24
